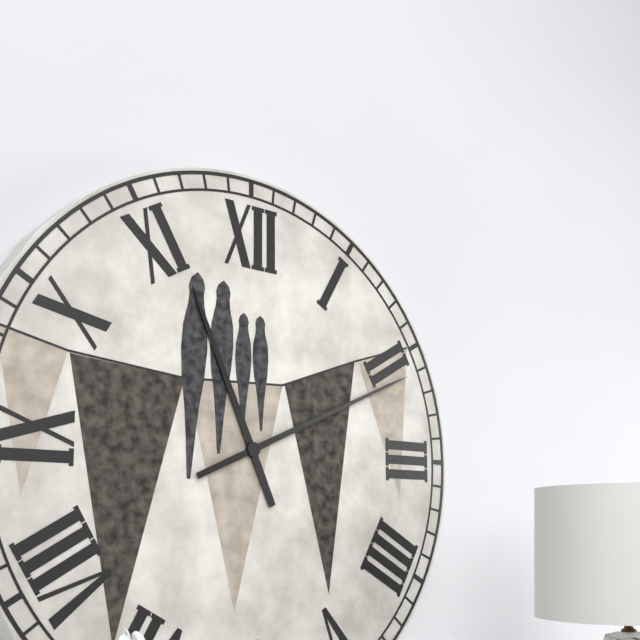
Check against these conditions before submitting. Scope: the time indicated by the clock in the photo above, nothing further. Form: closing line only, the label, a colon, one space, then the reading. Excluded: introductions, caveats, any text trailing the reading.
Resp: 11:11
